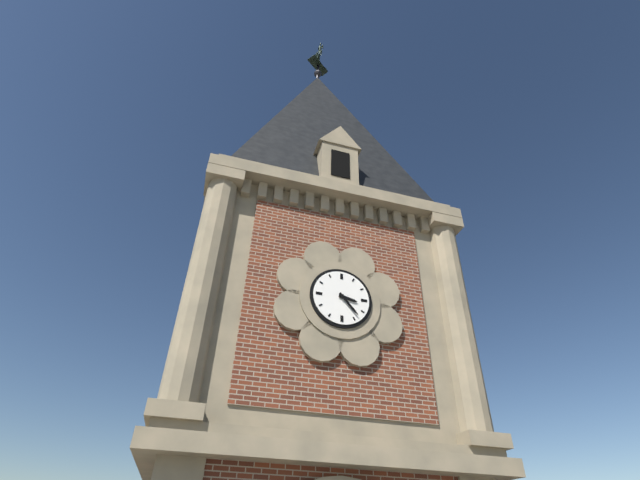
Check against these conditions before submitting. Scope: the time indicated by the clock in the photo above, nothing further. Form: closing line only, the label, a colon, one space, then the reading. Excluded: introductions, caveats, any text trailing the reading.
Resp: 3:23
